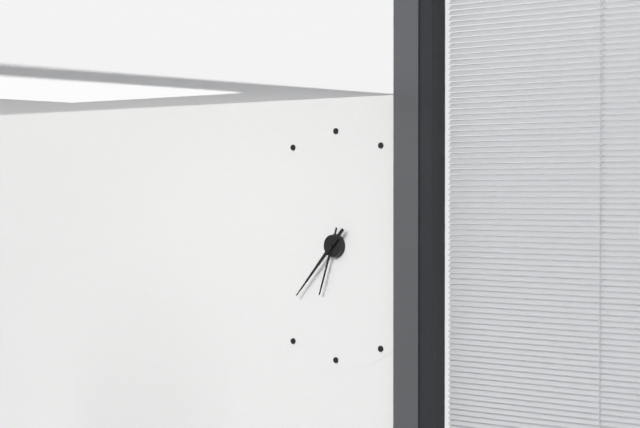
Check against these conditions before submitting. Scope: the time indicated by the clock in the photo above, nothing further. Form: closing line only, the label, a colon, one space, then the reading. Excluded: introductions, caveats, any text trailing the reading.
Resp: 6:37
